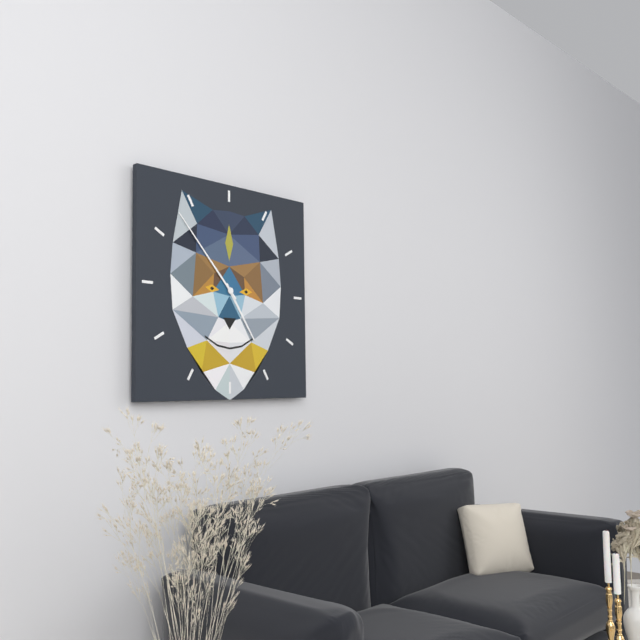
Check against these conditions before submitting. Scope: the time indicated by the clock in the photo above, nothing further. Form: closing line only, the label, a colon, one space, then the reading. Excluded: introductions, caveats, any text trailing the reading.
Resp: 4:53
